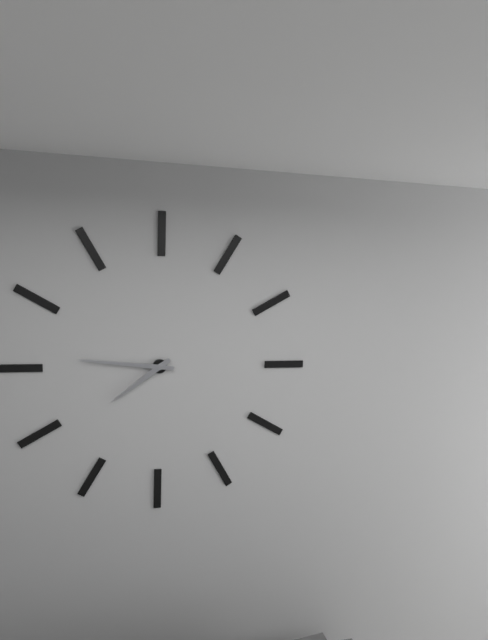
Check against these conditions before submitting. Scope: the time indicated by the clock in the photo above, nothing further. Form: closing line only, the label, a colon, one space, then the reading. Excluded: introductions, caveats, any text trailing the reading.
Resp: 7:46
